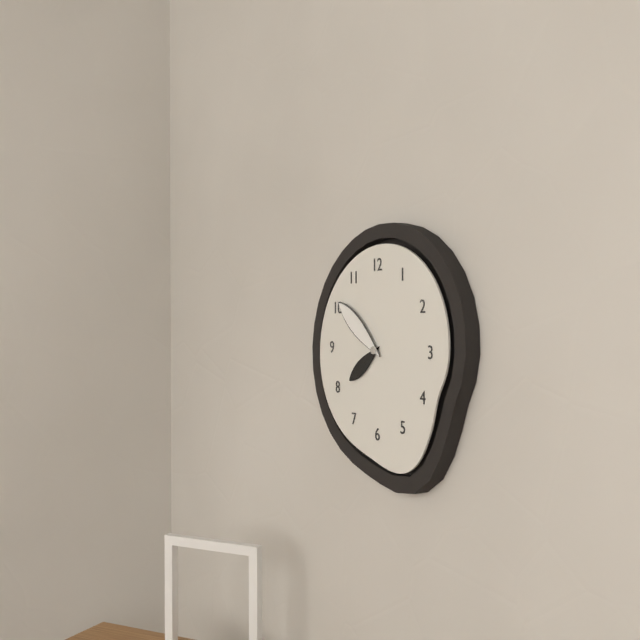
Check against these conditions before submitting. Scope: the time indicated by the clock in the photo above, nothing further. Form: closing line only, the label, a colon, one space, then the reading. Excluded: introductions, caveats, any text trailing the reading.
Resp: 7:51
